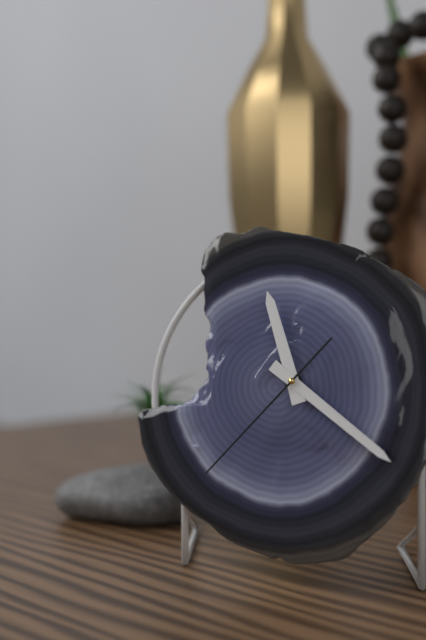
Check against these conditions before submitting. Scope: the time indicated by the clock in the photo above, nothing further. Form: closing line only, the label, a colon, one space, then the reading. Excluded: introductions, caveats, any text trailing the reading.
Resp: 11:21:37
